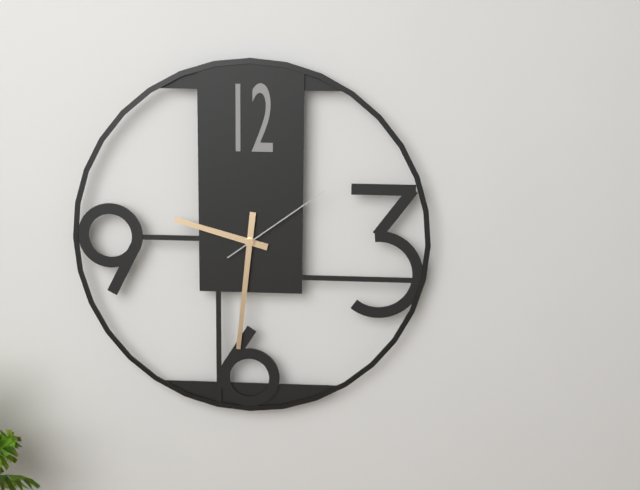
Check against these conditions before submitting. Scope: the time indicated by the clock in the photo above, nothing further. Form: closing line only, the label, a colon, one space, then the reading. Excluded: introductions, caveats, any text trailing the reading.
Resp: 9:31:09
